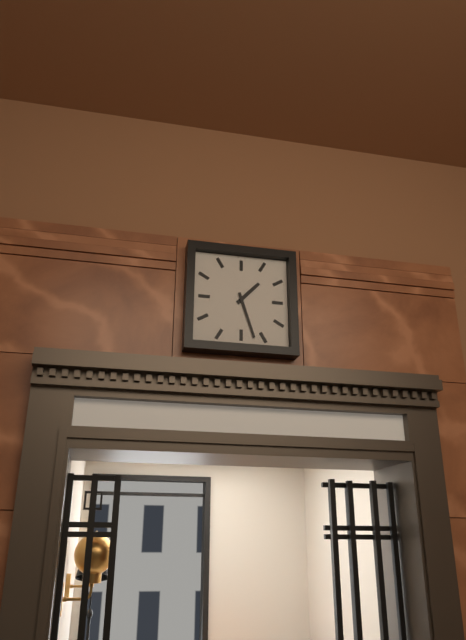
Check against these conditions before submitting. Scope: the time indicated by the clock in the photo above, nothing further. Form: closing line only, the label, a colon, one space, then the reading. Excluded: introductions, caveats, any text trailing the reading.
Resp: 1:27
